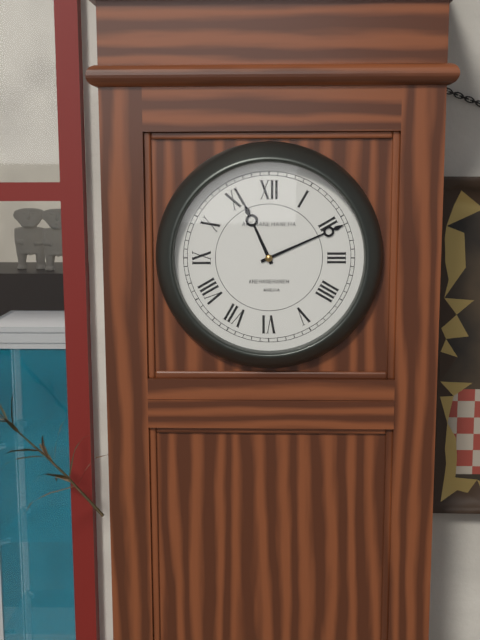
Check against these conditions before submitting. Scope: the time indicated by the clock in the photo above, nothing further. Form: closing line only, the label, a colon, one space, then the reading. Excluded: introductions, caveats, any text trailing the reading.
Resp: 11:11
